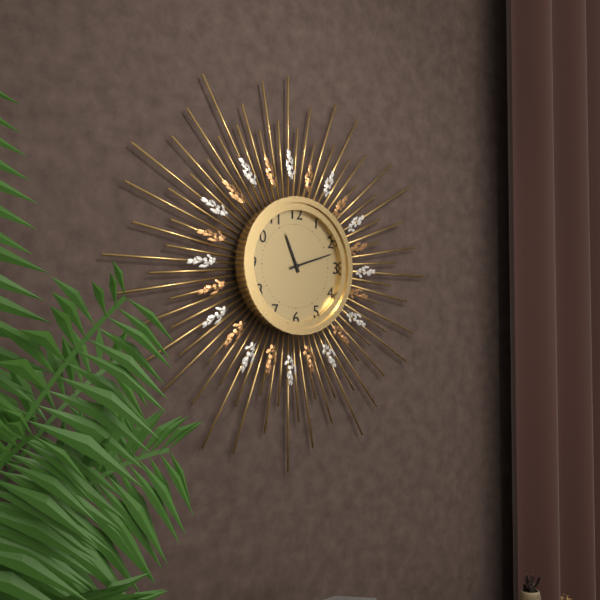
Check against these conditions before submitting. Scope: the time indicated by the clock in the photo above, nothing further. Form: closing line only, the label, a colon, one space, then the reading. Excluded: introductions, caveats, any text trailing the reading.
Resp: 11:12
